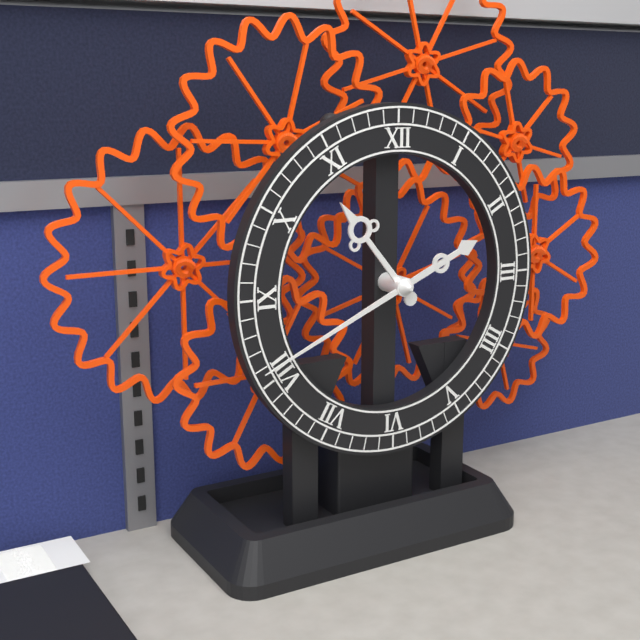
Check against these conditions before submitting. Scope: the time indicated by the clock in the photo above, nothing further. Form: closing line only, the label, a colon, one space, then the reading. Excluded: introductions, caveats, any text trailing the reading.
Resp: 10:41
